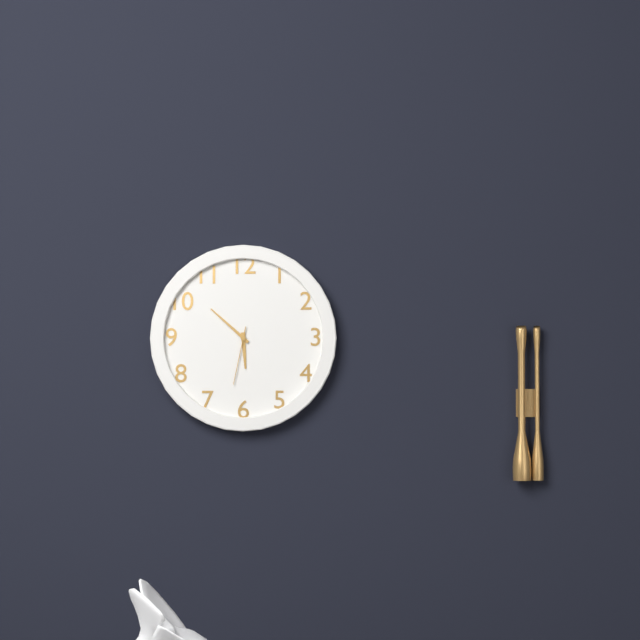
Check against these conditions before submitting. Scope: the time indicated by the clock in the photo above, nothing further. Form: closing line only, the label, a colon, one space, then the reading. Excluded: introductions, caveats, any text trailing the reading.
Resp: 5:52:32
